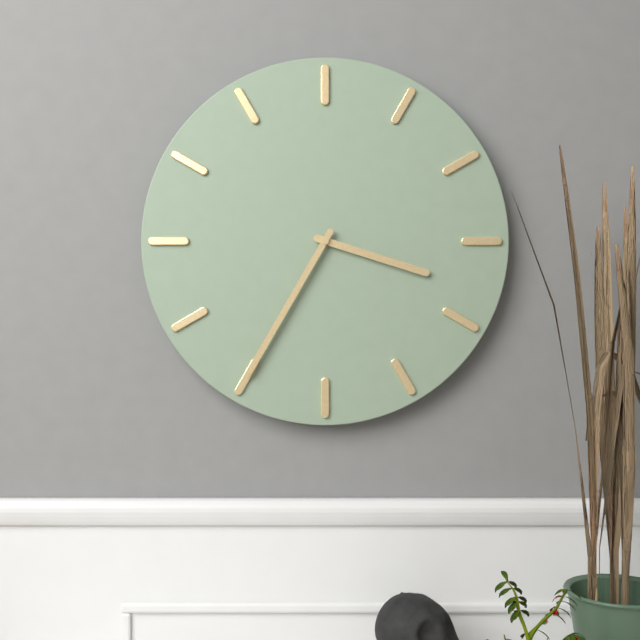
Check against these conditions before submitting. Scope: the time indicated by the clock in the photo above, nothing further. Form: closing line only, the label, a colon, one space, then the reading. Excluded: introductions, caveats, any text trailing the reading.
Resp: 3:35
